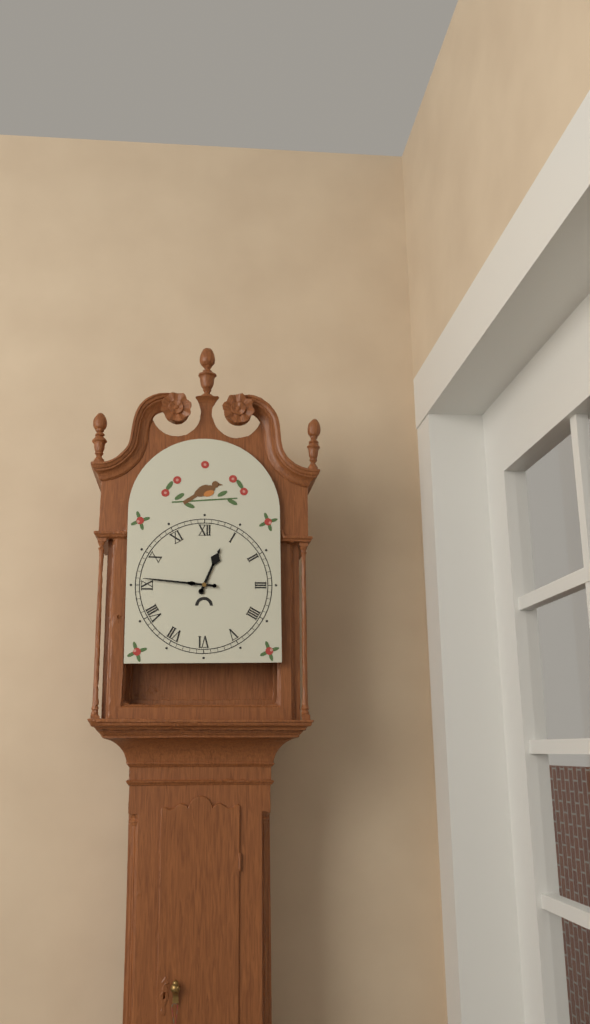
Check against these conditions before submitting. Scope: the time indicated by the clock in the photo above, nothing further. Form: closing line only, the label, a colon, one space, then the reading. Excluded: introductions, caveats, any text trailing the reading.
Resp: 12:46
